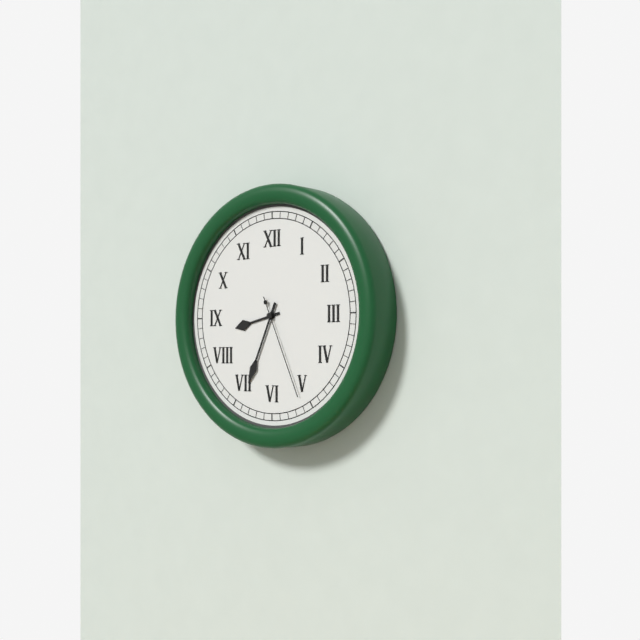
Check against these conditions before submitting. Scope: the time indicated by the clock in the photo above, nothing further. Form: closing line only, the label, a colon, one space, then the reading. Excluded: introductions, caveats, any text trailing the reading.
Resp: 8:34:26
